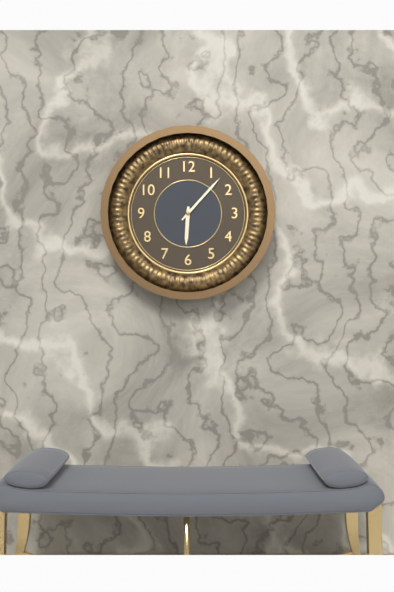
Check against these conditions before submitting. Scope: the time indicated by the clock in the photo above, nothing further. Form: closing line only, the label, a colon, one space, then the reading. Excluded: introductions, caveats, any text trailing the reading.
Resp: 6:07
